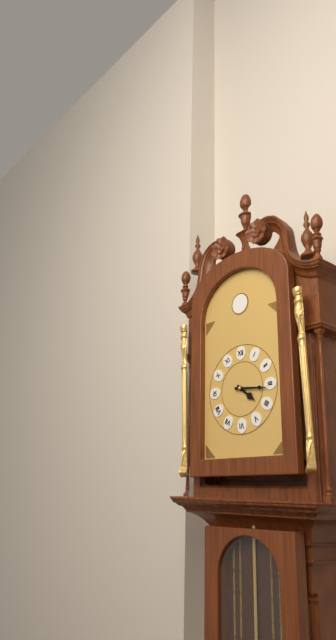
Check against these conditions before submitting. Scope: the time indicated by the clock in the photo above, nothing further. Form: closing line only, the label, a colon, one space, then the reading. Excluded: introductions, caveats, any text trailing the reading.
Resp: 4:16
